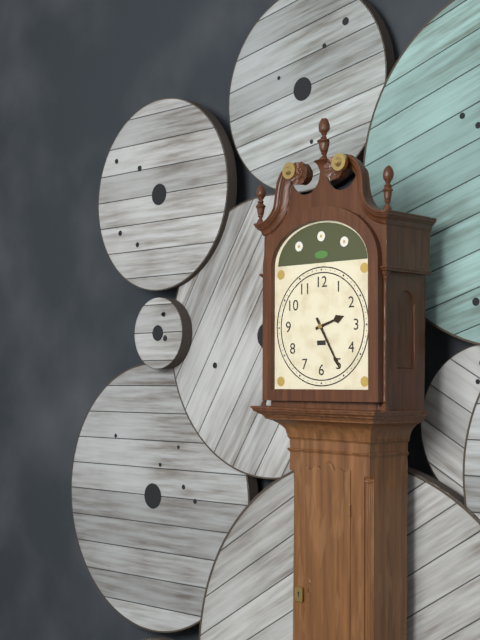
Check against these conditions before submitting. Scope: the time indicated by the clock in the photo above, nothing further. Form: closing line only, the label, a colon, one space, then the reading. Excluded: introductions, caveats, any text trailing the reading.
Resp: 2:25
